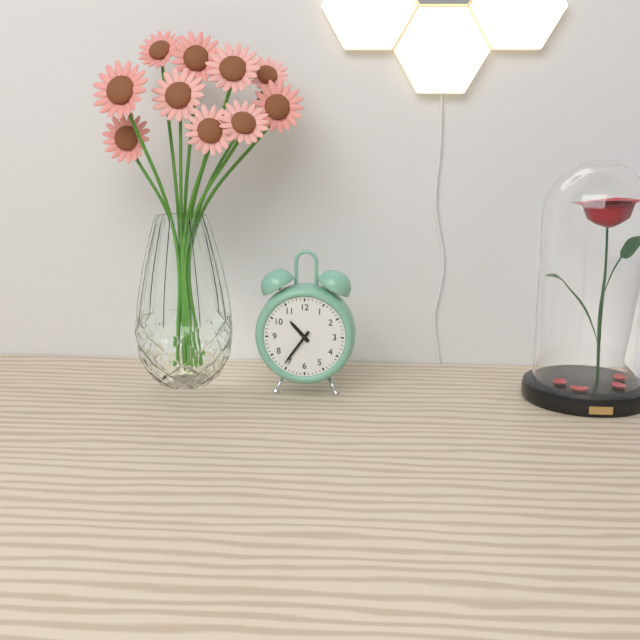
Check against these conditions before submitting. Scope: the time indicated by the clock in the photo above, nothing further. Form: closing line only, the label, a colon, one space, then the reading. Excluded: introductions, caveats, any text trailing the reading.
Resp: 10:36
